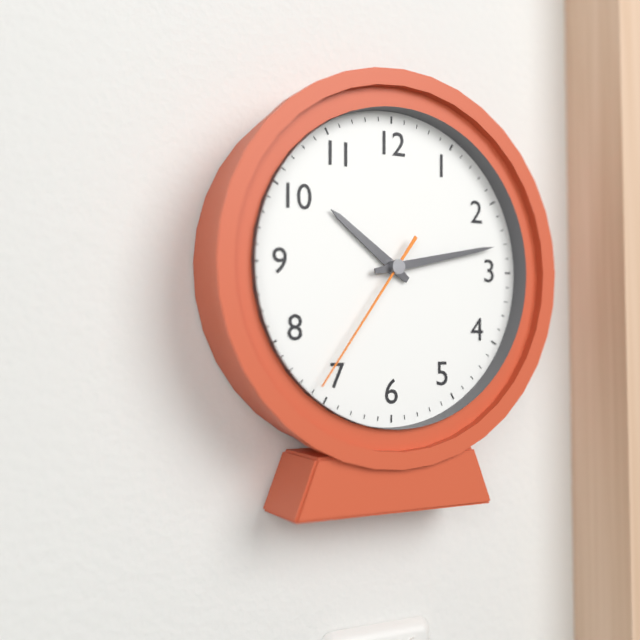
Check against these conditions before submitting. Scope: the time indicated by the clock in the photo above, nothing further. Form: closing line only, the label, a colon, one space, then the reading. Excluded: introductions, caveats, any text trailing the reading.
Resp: 10:13:36
